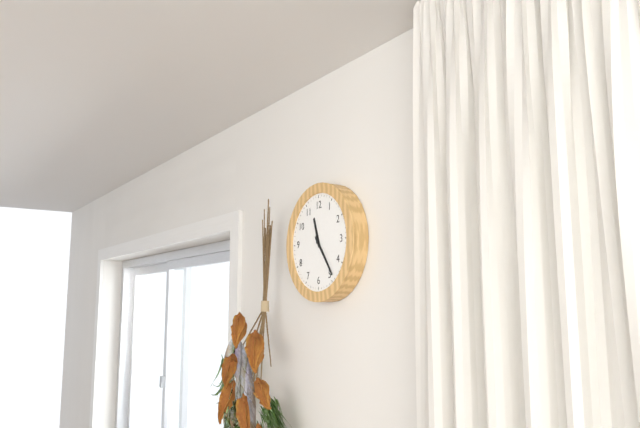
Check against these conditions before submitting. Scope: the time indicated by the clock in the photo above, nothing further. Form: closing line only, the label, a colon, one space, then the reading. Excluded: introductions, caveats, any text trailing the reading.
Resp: 11:24
